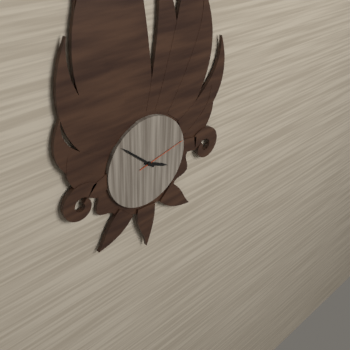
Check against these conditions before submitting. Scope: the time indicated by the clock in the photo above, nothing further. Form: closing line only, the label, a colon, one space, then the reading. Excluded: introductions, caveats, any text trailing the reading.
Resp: 3:52:13
